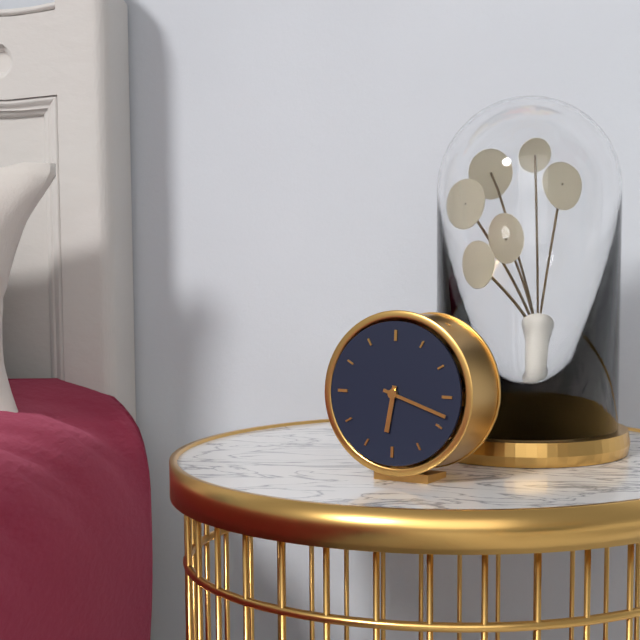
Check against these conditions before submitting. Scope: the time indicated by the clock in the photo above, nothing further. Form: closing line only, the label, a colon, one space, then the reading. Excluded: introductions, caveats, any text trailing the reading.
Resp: 6:18
